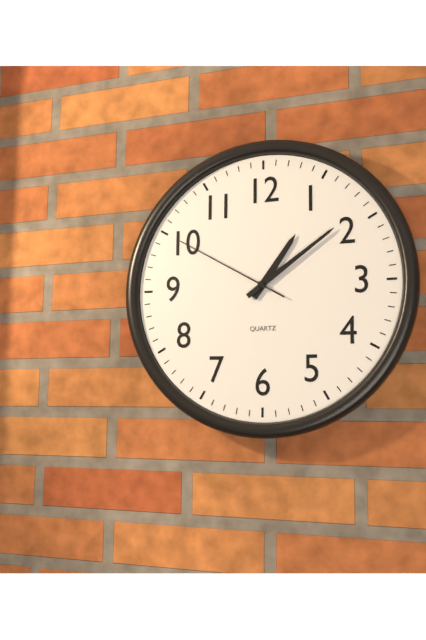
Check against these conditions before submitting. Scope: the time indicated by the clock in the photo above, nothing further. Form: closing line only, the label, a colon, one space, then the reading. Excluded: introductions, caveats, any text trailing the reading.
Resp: 1:09:50
